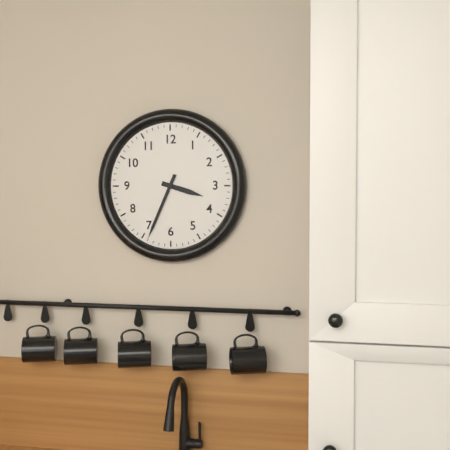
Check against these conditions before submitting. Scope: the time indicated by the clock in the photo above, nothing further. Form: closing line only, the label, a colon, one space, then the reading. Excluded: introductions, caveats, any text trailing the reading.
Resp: 3:34
